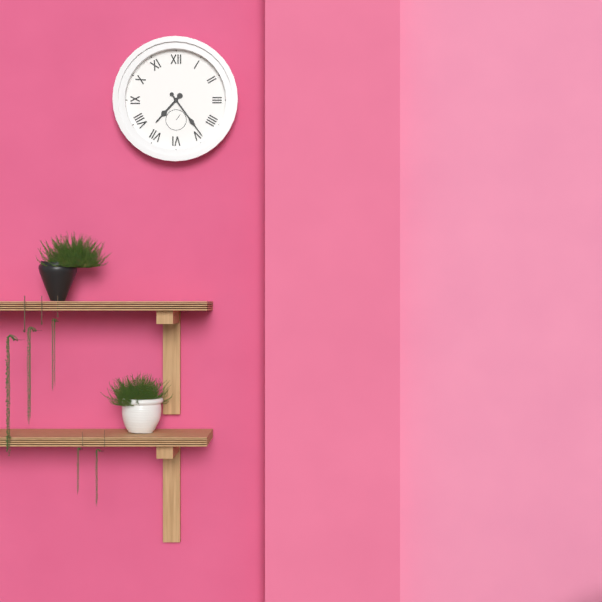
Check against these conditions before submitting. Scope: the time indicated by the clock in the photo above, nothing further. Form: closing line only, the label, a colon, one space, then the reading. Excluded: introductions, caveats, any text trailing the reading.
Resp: 7:24
